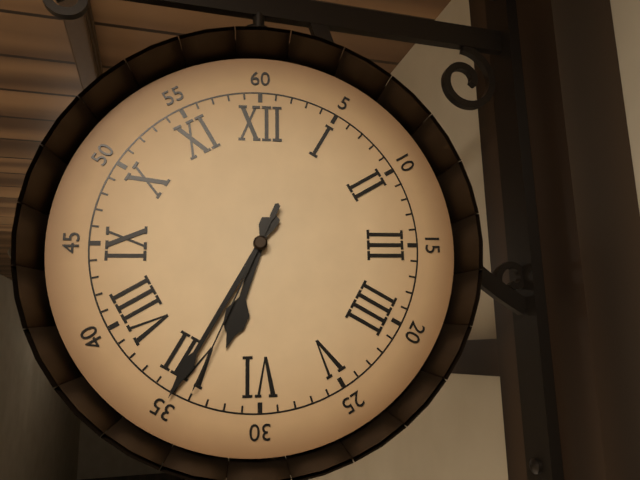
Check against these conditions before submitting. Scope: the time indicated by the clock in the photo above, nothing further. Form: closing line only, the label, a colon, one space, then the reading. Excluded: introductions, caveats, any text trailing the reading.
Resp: 6:35:34
